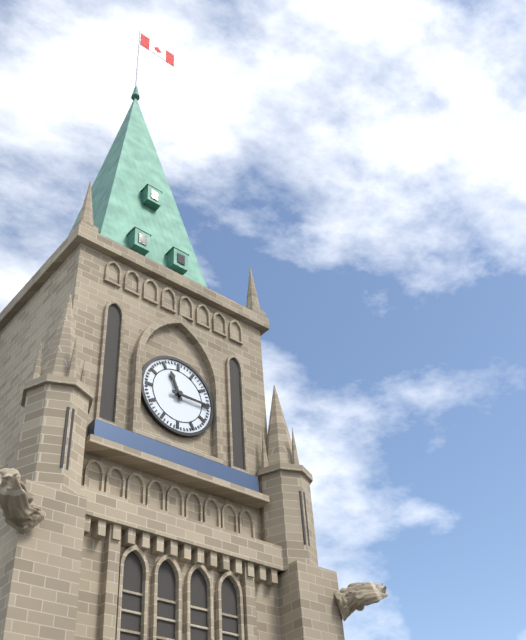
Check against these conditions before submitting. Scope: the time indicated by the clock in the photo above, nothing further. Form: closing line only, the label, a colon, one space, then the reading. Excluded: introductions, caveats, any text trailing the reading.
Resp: 11:15
